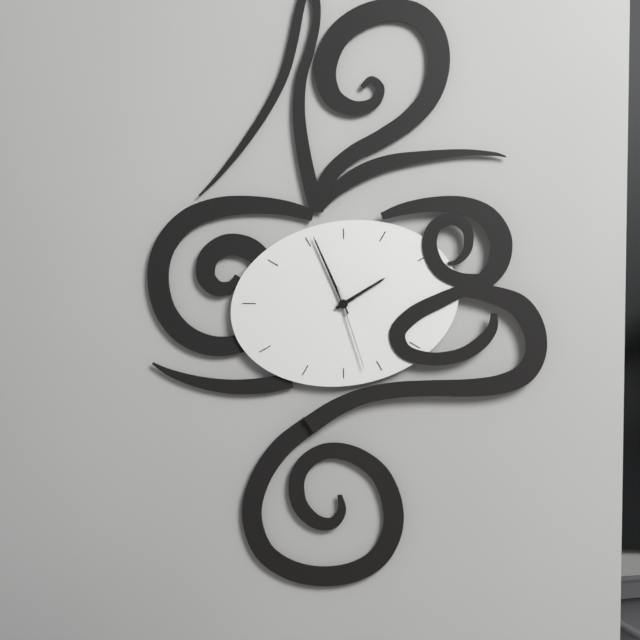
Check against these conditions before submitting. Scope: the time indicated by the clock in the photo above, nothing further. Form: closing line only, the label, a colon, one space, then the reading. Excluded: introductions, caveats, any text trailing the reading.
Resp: 1:56:27
